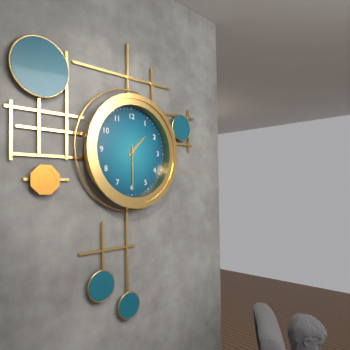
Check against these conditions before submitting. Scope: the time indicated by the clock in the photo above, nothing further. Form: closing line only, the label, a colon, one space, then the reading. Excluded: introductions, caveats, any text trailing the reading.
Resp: 1:30
